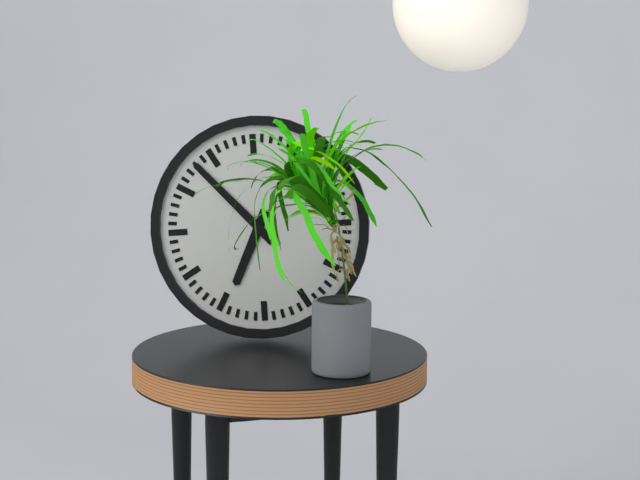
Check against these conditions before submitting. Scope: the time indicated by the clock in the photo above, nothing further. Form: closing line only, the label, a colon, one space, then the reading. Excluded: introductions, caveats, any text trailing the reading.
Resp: 6:53
